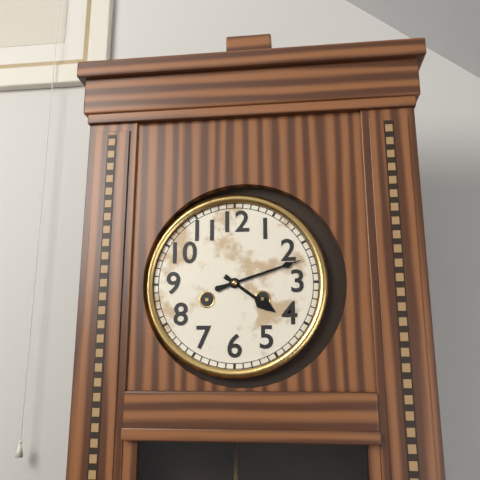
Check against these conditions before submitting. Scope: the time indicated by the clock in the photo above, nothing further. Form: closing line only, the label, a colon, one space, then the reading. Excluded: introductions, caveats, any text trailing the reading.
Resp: 4:12
